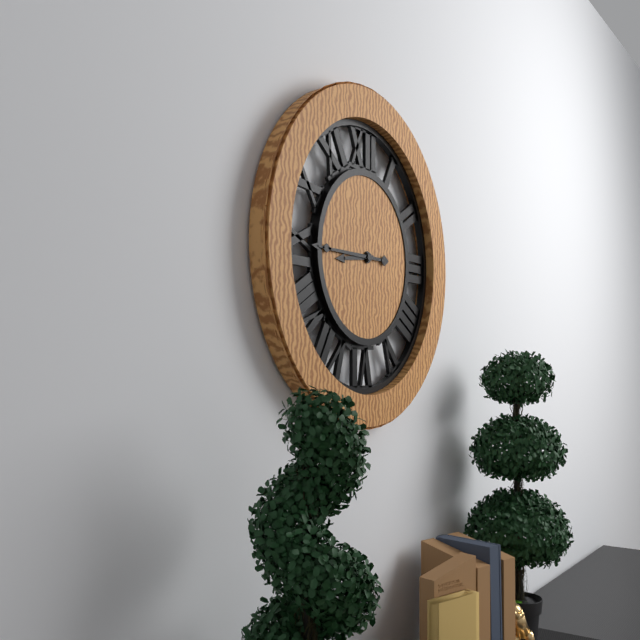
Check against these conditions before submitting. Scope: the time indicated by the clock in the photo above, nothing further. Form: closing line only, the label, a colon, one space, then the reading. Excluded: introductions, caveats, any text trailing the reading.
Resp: 8:45
